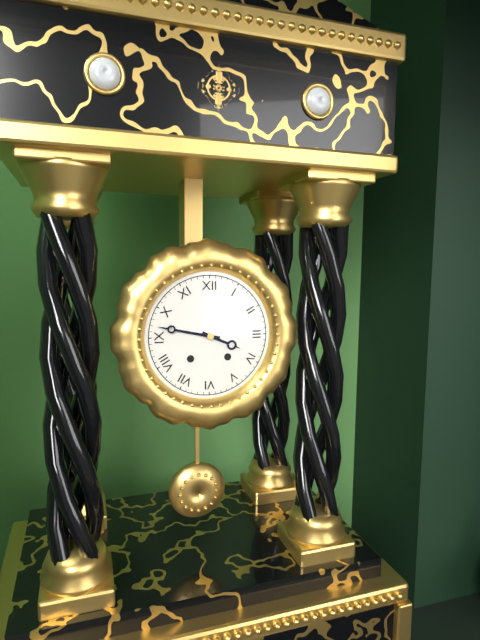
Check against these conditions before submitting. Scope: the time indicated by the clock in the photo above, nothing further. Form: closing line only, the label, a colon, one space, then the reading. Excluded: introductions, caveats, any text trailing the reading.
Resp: 3:47
